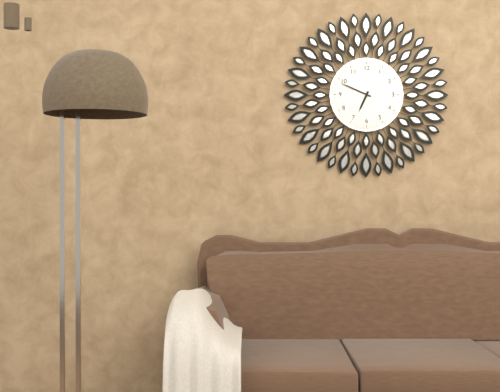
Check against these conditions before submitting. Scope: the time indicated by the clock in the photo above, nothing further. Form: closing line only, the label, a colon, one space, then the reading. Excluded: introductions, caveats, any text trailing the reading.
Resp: 6:49
